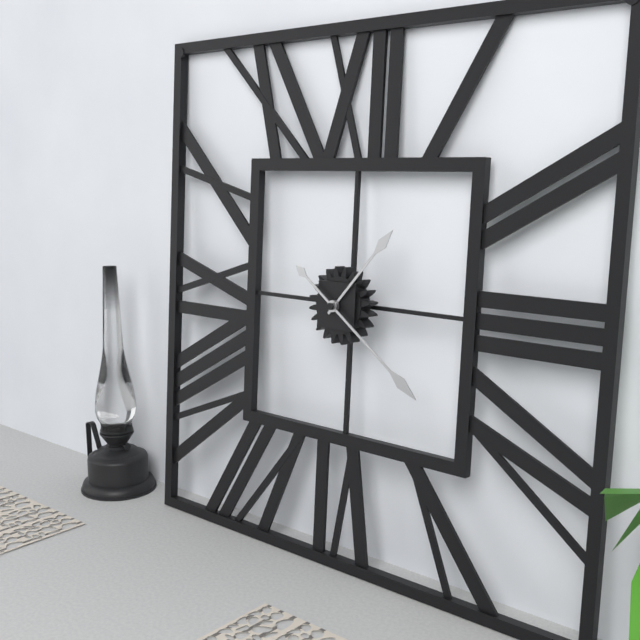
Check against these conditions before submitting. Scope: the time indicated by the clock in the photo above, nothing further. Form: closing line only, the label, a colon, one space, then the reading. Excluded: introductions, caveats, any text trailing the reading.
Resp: 1:21
